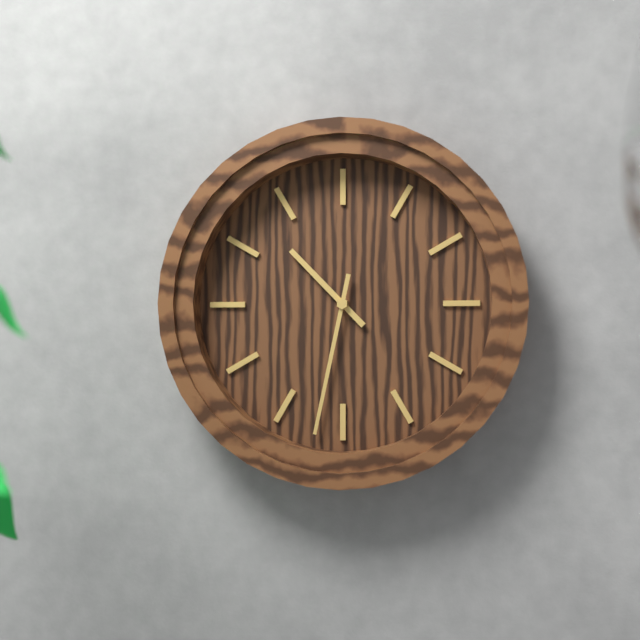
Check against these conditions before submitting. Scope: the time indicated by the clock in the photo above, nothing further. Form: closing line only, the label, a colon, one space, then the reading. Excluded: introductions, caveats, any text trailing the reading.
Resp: 10:32
